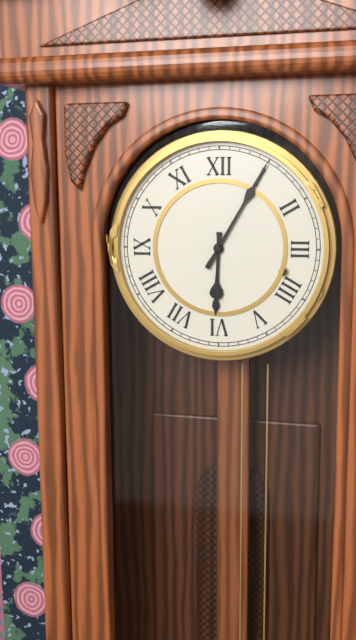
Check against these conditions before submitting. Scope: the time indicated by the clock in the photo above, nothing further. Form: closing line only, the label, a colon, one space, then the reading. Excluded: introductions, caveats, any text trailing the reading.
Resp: 6:05
